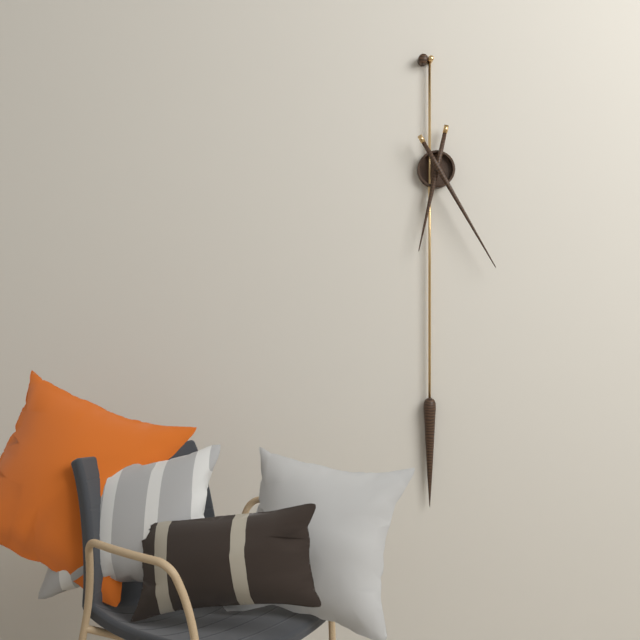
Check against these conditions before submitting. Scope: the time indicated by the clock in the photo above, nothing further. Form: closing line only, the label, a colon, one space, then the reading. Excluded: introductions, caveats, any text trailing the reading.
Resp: 6:25
